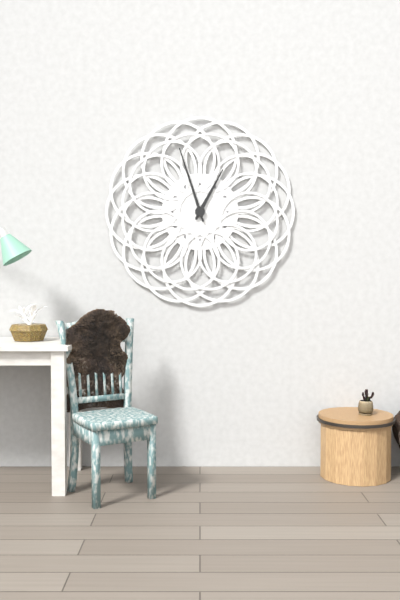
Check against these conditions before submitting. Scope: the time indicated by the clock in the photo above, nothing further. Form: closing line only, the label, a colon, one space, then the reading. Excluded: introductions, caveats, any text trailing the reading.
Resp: 12:57
